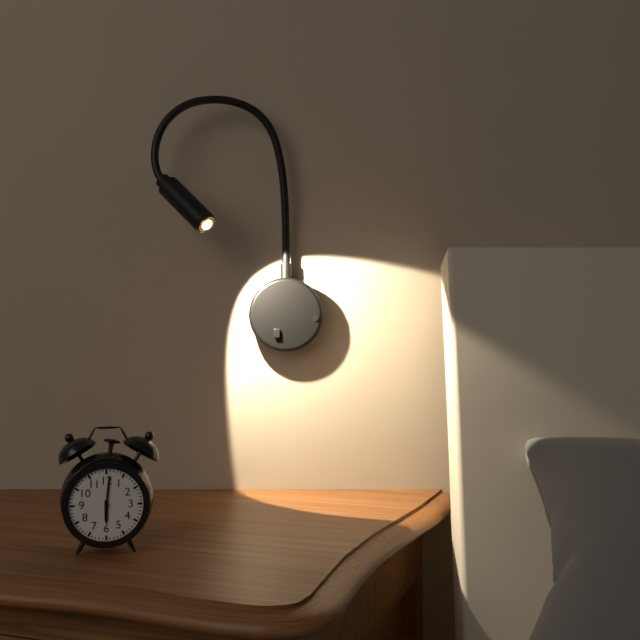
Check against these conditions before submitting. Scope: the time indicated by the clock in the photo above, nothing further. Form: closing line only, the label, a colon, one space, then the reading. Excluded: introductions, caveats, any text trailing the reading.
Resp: 6:01
